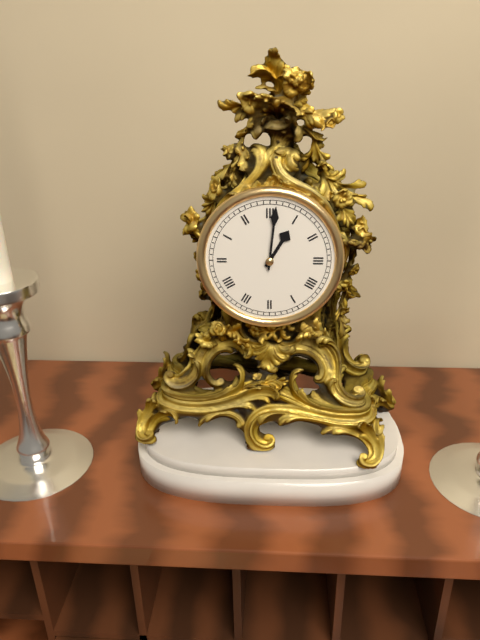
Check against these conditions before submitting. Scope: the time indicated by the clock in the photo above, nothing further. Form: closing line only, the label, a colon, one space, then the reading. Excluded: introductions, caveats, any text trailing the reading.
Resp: 1:01
